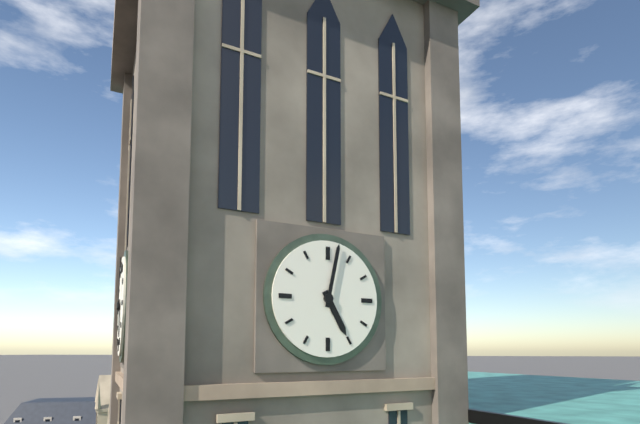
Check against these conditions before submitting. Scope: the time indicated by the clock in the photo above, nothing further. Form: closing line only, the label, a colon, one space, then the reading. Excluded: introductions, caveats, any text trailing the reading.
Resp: 5:02
